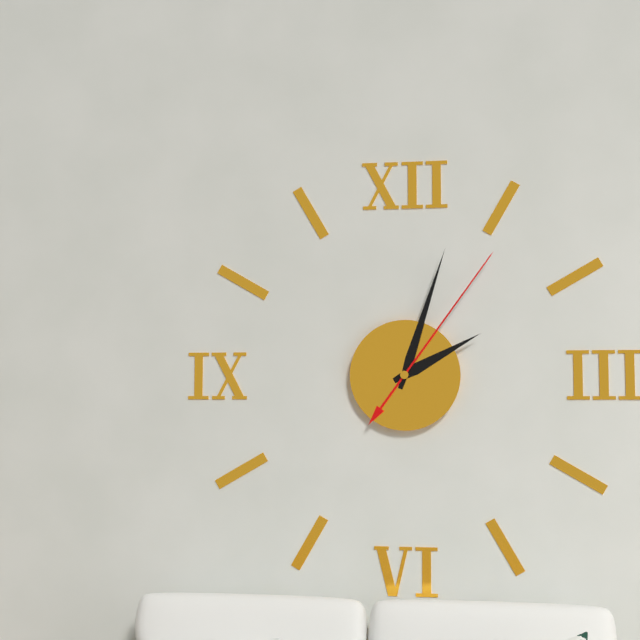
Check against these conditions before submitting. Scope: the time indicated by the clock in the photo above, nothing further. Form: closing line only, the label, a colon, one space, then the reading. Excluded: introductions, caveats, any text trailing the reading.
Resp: 2:03:06
